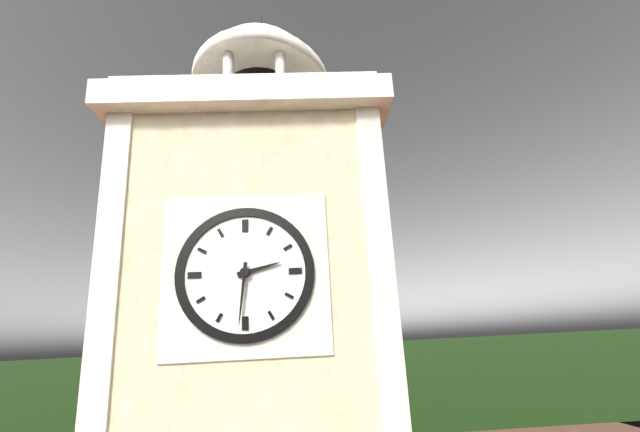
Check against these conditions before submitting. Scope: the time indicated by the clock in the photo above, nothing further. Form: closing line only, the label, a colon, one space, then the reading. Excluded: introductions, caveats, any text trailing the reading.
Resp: 2:31
